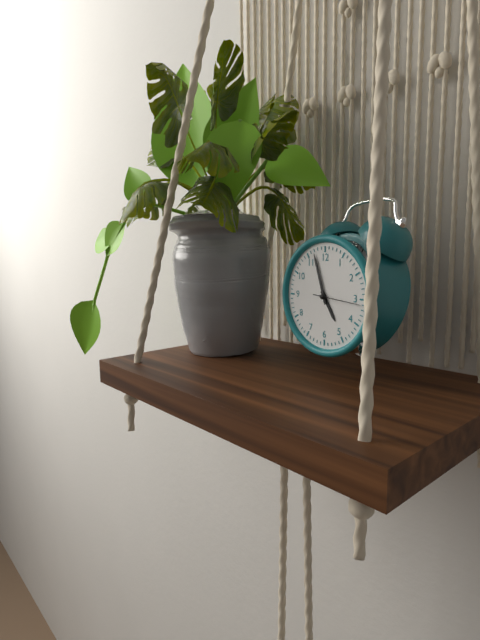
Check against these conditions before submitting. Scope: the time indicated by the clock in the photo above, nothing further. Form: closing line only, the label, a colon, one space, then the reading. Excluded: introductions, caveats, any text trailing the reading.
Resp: 4:57
